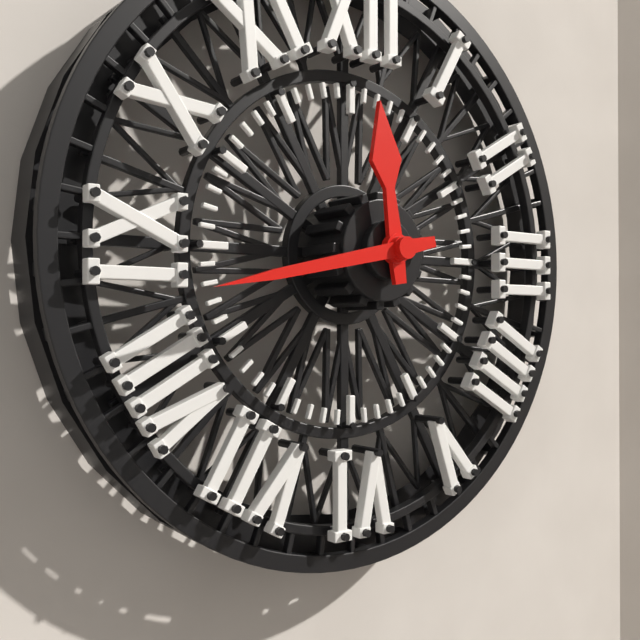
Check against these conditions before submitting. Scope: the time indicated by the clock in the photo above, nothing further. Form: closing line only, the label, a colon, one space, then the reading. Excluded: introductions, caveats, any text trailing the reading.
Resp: 11:43
